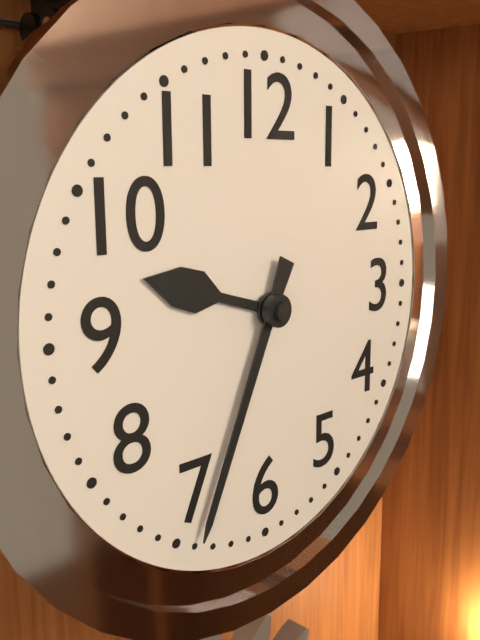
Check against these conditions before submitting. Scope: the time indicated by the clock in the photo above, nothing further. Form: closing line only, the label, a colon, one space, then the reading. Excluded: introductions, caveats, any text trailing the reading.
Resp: 9:34
